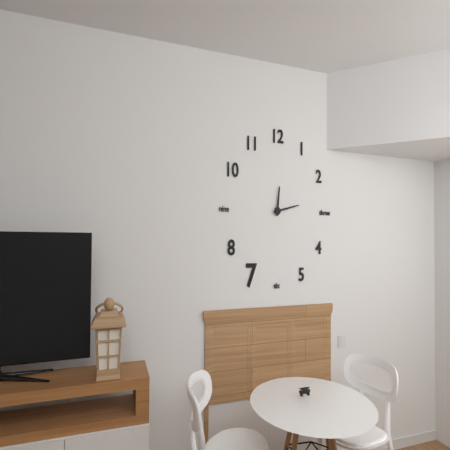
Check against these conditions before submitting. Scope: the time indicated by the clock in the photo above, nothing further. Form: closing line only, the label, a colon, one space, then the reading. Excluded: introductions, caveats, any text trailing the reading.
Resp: 12:13
